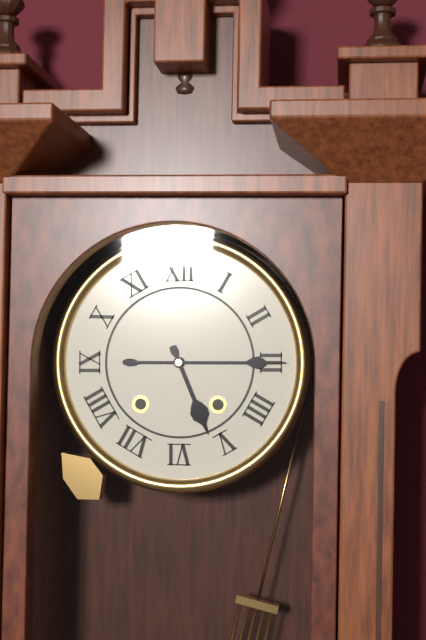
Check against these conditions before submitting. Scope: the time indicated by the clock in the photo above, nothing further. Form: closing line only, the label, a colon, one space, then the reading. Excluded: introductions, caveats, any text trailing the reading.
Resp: 5:15
